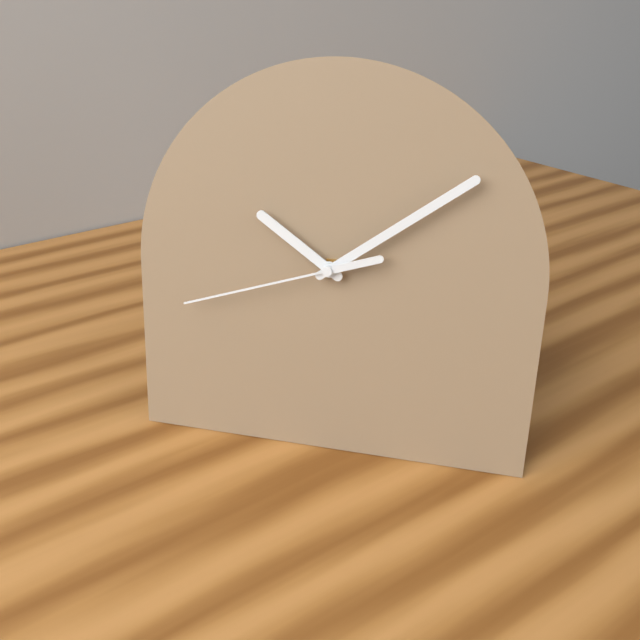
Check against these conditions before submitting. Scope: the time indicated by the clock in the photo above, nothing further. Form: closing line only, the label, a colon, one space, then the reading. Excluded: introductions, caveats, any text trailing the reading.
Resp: 10:09:42
